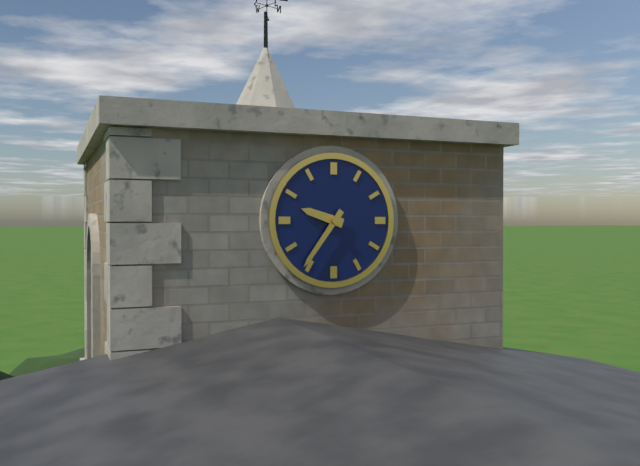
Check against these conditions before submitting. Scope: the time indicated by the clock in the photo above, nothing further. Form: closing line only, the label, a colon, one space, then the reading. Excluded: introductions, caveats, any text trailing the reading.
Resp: 9:36
